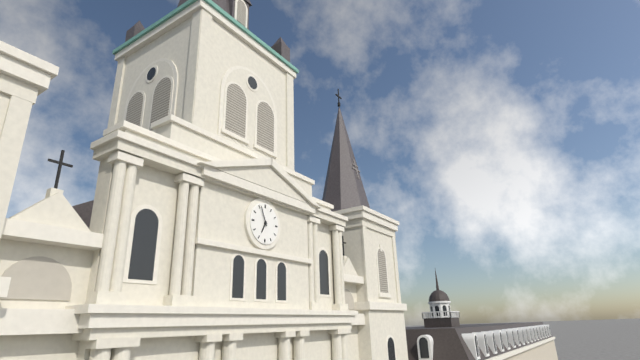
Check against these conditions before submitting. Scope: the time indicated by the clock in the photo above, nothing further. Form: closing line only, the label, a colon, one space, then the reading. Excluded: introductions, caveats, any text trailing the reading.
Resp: 6:56
